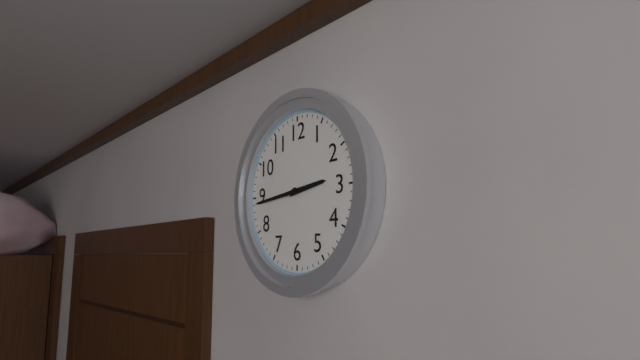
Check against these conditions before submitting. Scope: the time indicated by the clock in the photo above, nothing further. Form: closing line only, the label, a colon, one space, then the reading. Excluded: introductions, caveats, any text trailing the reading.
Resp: 2:44
